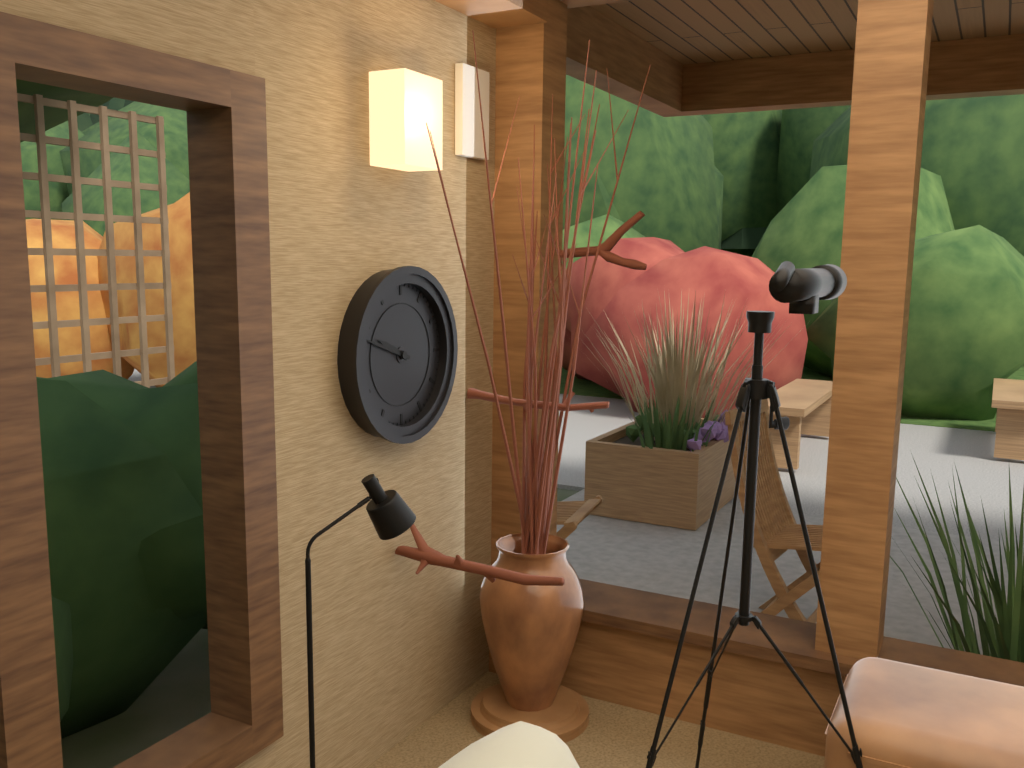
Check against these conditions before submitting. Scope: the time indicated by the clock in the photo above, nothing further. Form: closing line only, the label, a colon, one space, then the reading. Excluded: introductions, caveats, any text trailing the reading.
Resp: 9:48
